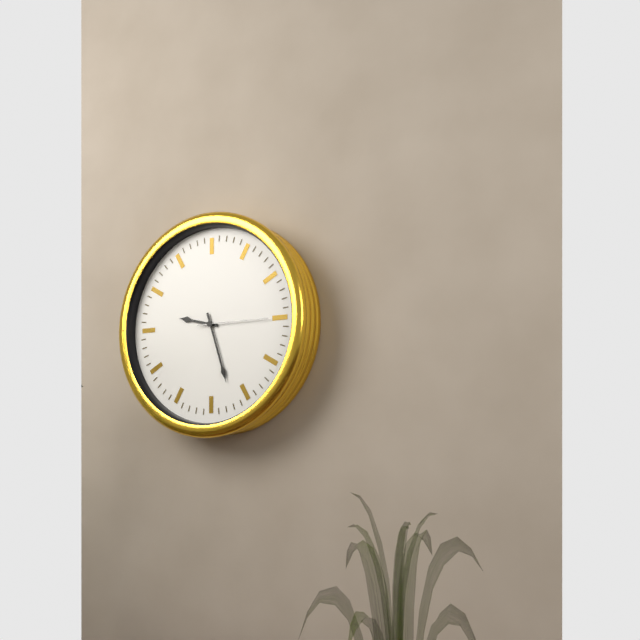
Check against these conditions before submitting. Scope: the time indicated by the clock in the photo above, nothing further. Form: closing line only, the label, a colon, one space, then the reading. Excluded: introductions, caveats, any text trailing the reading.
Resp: 9:27
